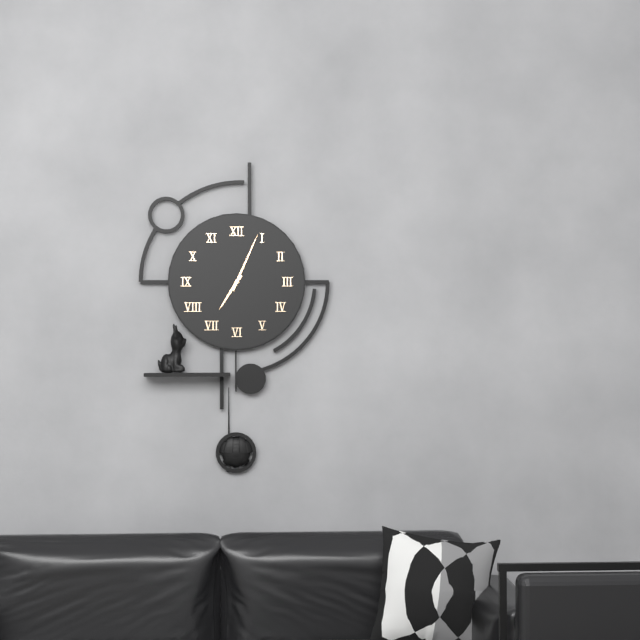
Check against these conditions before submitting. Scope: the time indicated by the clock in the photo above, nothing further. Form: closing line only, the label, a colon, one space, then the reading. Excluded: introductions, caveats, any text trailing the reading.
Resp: 7:04
